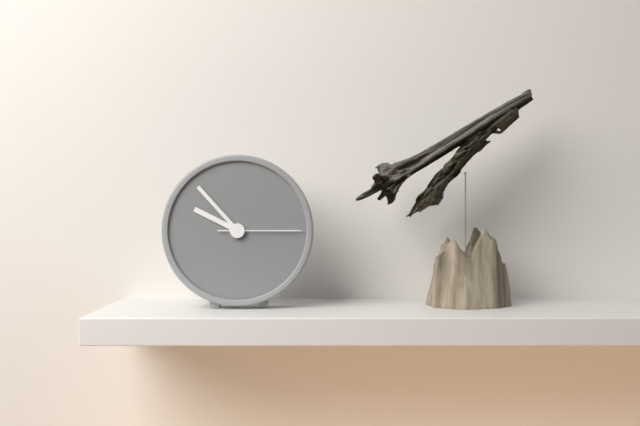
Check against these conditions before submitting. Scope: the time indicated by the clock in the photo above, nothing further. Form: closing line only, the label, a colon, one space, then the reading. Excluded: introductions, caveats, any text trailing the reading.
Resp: 9:53:15
